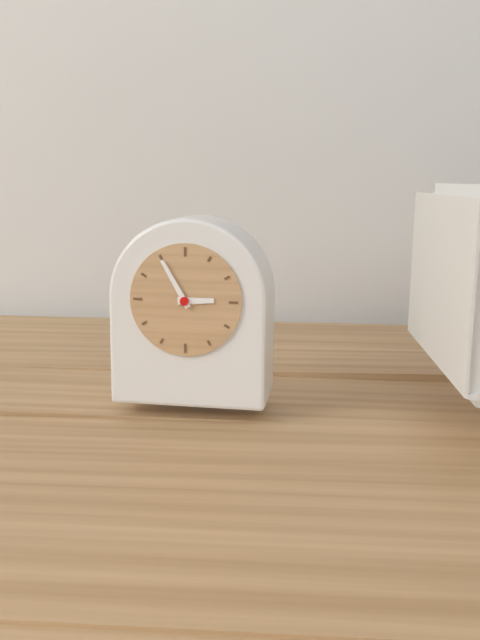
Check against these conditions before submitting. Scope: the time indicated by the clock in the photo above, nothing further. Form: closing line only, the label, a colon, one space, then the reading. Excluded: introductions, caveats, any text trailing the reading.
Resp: 2:55
